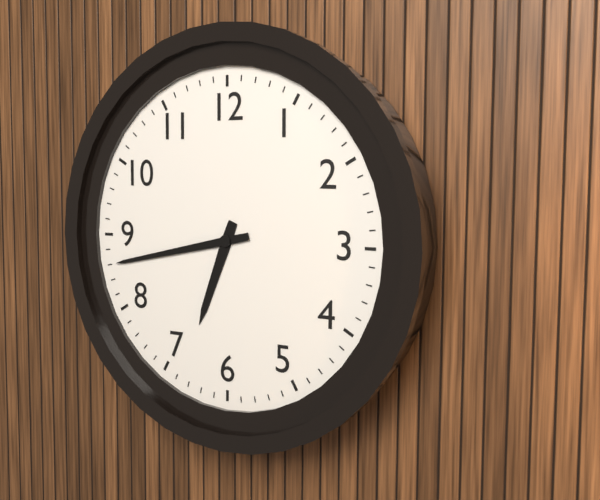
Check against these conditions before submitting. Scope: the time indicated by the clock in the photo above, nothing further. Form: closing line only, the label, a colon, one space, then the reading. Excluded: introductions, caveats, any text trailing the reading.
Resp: 6:43
